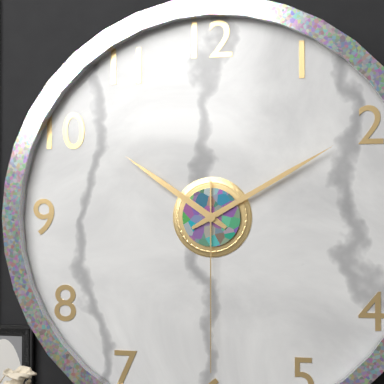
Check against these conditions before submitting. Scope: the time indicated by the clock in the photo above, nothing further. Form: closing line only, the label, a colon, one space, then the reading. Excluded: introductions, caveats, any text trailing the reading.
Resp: 10:10:30
